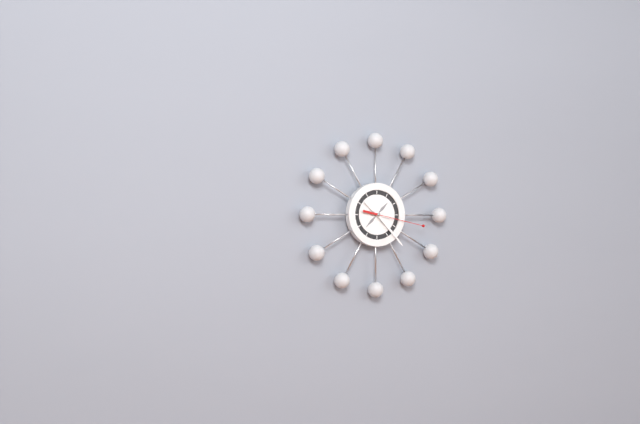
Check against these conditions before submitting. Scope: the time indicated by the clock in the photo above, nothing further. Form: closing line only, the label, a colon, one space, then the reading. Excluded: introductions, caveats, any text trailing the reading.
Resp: 10:23:17
